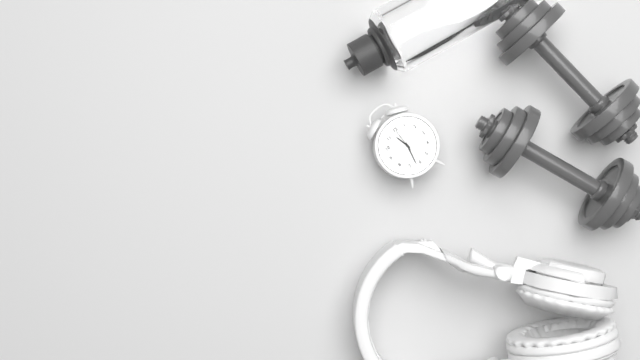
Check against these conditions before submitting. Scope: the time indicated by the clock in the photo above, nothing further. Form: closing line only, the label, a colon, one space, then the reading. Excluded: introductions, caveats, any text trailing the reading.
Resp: 11:32
